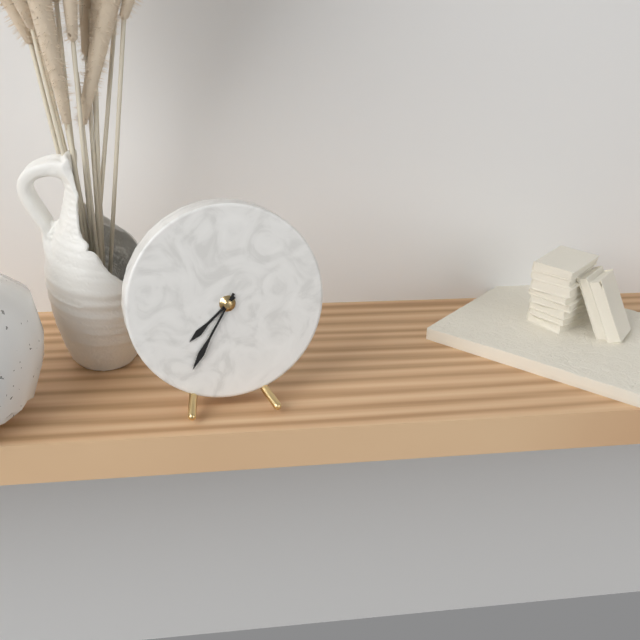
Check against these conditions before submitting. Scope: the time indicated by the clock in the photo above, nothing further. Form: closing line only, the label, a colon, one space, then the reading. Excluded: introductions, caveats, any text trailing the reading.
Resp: 7:35
